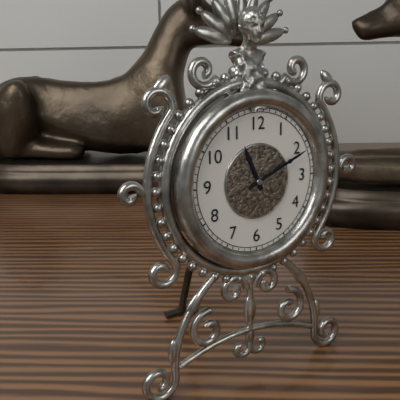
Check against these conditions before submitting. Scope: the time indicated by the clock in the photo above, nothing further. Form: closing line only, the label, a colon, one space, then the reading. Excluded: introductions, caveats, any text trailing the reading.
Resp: 11:11
